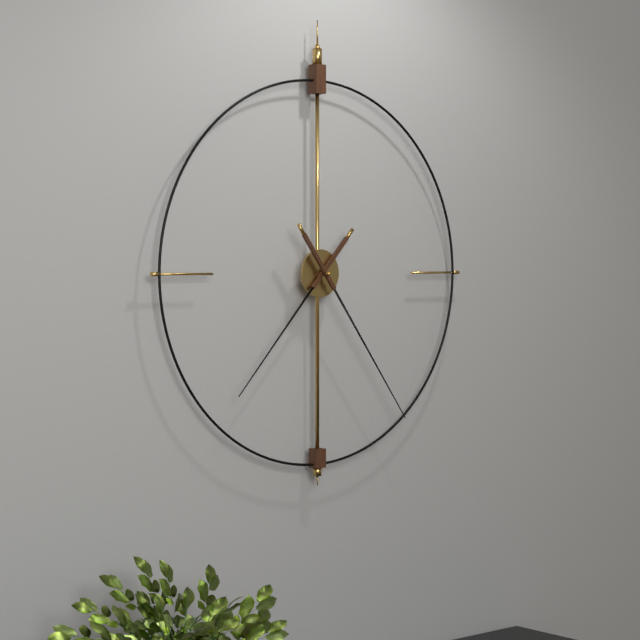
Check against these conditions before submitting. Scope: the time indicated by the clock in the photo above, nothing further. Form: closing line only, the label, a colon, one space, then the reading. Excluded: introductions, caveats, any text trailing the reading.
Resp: 7:24
